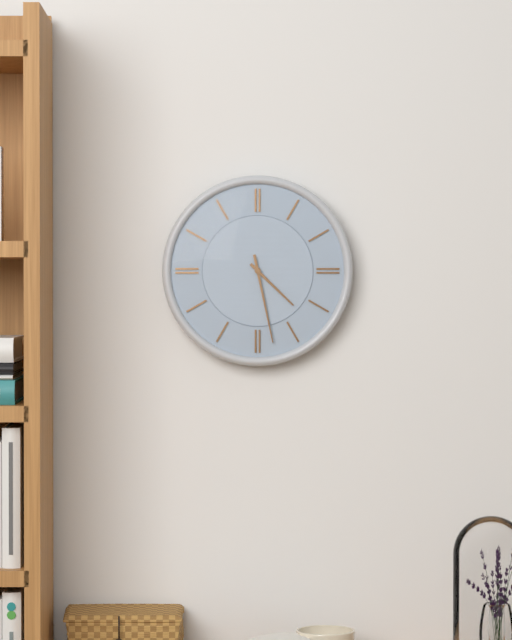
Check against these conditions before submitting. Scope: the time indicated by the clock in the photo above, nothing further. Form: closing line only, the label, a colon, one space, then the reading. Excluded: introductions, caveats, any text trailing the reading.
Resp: 4:28
